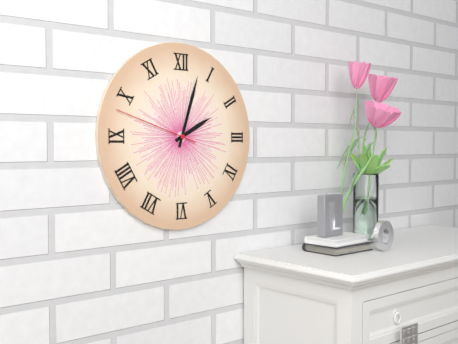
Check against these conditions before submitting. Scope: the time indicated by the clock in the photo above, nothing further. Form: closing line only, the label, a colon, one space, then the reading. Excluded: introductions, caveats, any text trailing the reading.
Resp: 2:03:48
